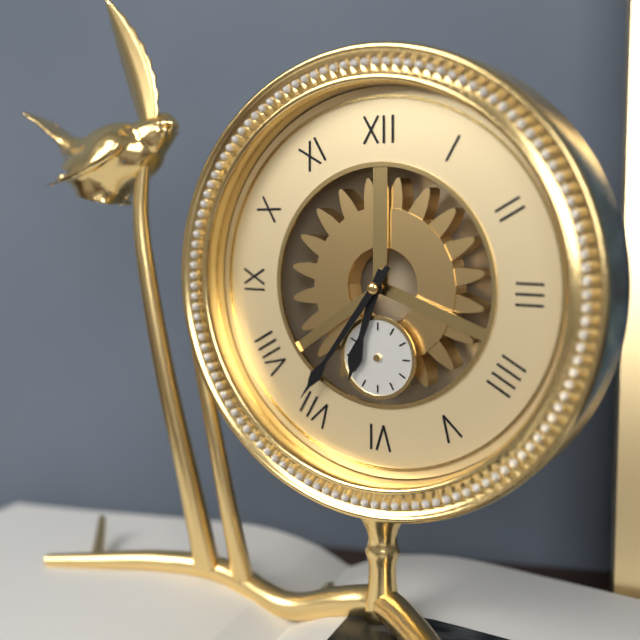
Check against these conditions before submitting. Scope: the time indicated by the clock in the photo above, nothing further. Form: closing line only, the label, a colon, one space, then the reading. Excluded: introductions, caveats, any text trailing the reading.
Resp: 6:36
